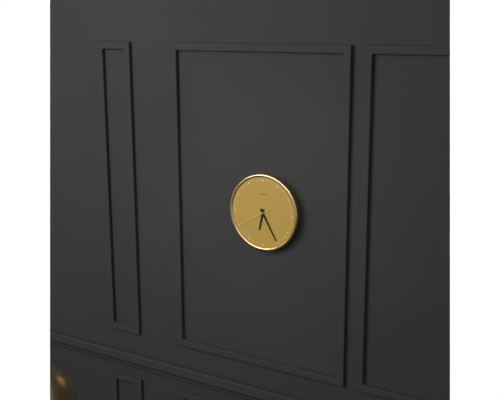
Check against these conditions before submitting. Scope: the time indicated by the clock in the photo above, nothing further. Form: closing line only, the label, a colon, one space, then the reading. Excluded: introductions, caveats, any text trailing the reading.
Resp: 6:25
